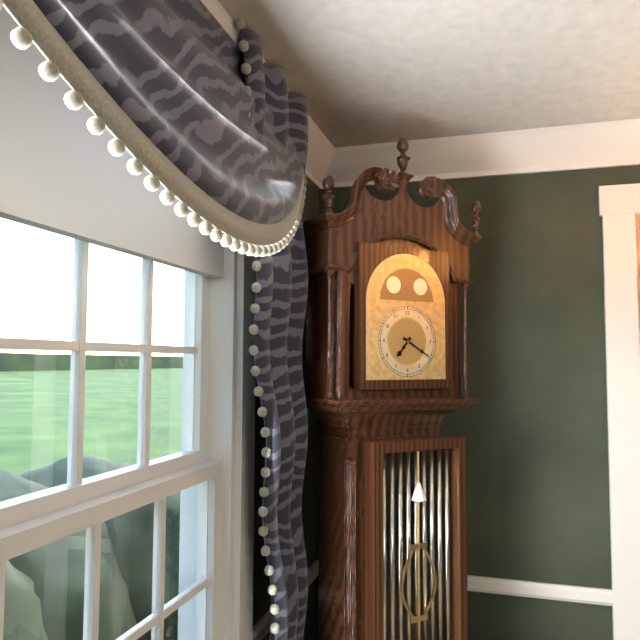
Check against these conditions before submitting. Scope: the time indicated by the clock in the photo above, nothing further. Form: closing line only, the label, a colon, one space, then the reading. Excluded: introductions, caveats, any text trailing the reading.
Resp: 7:20
